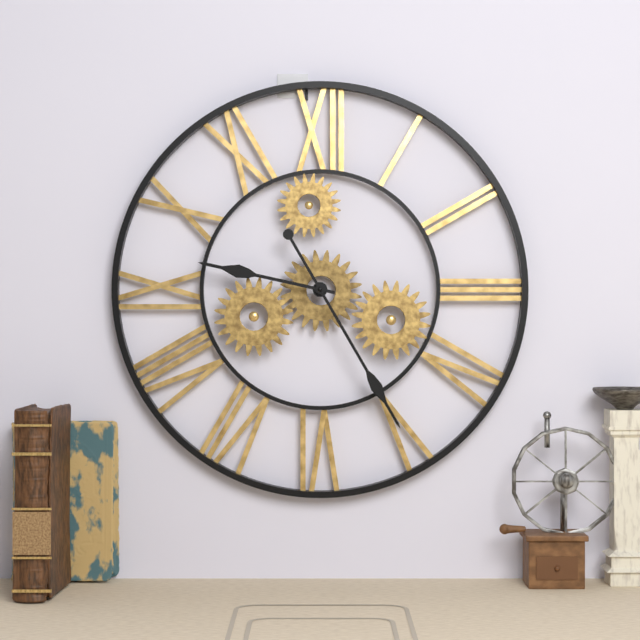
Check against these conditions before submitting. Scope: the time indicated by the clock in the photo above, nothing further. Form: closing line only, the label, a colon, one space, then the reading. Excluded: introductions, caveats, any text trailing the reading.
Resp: 9:25
